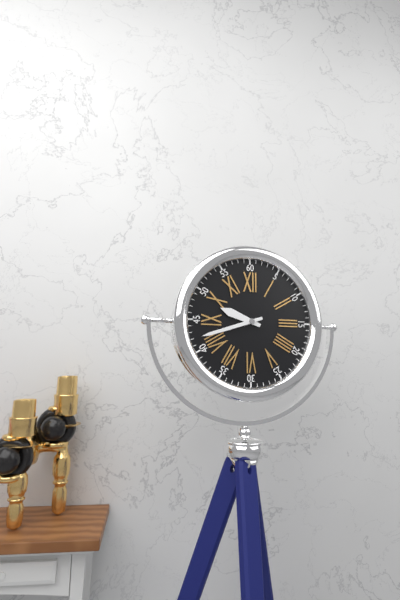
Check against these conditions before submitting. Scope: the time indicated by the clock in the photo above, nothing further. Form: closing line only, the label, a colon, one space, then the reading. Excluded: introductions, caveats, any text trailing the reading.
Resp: 9:42
